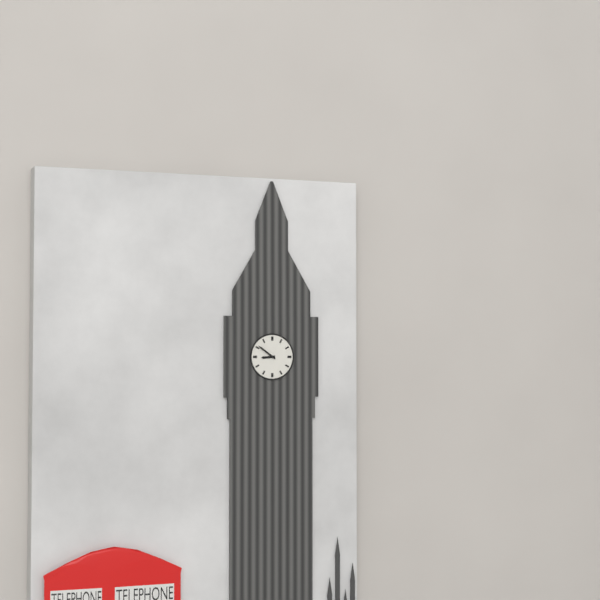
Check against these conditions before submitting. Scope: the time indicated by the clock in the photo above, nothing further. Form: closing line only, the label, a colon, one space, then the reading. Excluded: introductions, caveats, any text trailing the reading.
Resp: 8:51
